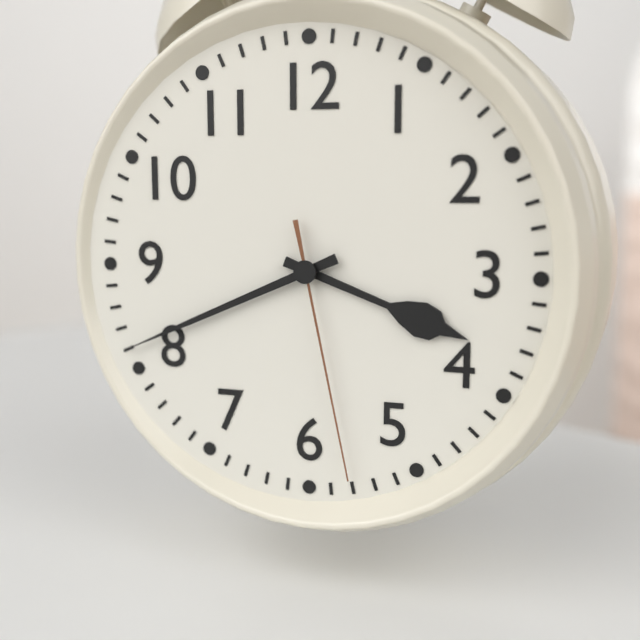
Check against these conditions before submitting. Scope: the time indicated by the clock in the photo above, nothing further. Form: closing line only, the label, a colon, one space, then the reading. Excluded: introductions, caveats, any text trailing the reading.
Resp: 3:41:28
